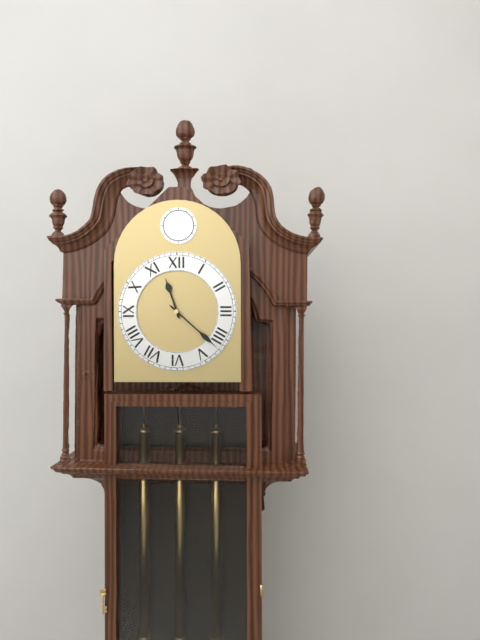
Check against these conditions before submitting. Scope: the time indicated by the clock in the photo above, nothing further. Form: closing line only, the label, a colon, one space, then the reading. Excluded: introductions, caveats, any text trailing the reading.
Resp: 11:22
